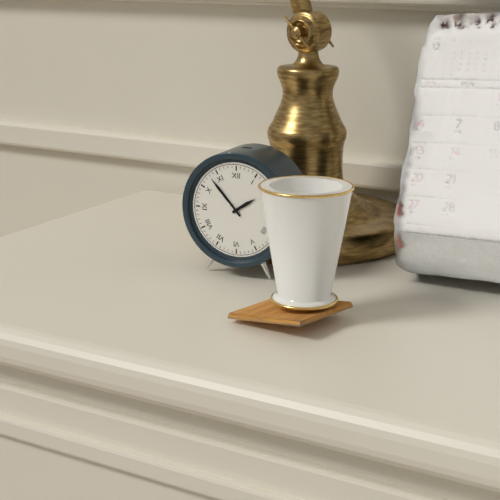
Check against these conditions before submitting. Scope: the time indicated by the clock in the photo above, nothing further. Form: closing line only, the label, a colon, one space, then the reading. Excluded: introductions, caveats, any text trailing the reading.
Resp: 1:53
